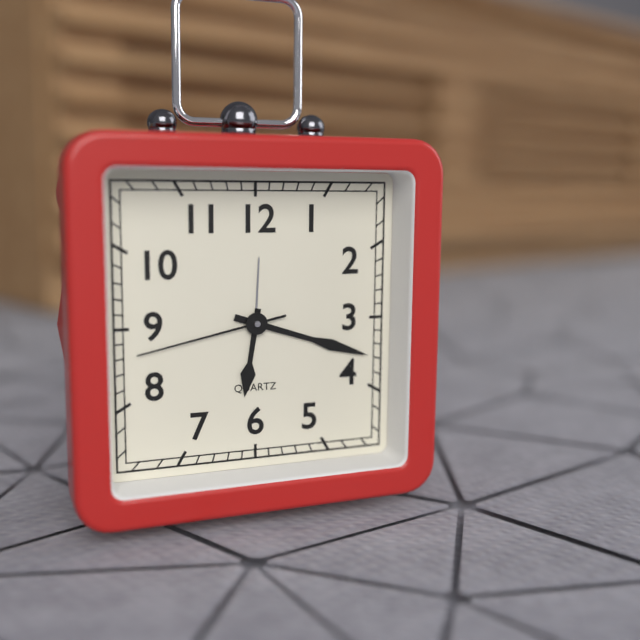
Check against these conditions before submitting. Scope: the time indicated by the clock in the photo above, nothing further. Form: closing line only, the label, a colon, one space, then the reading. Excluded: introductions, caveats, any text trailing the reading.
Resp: 6:18:43
